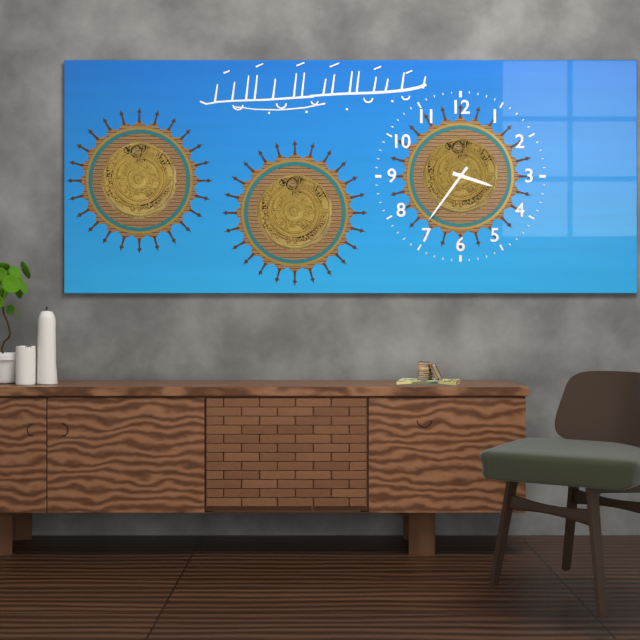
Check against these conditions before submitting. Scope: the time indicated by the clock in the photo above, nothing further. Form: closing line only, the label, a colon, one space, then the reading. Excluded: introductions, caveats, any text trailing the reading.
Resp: 3:36
